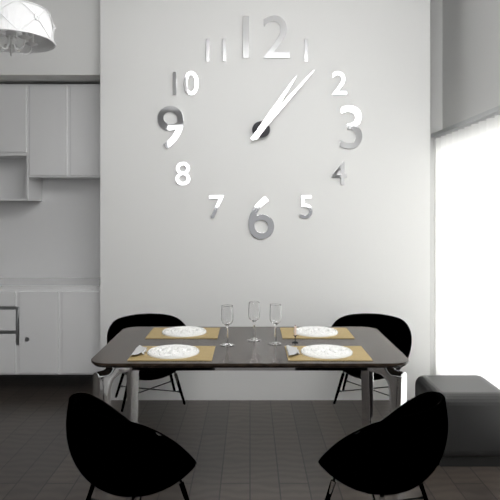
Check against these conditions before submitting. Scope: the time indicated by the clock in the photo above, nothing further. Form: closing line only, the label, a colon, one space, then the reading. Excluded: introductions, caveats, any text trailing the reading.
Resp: 1:07
